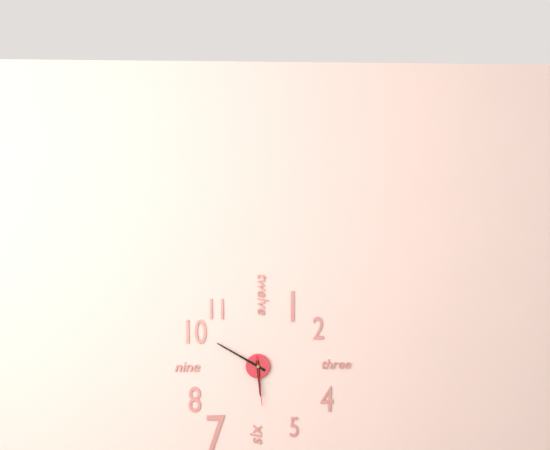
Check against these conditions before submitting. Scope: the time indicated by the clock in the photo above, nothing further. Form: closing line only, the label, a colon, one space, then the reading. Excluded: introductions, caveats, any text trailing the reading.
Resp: 5:50
